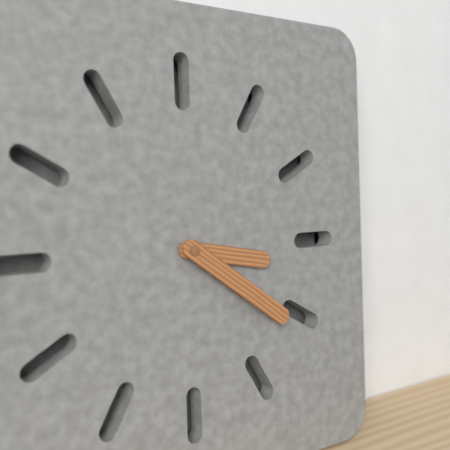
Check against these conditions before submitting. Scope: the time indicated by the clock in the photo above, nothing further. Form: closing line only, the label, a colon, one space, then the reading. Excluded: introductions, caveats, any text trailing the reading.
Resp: 3:21
